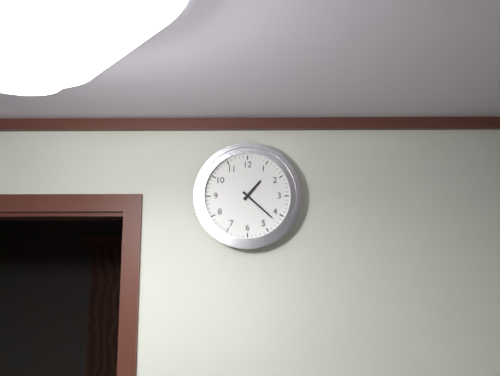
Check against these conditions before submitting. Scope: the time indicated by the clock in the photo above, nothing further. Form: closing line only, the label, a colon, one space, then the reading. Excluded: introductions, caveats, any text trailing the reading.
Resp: 1:22
